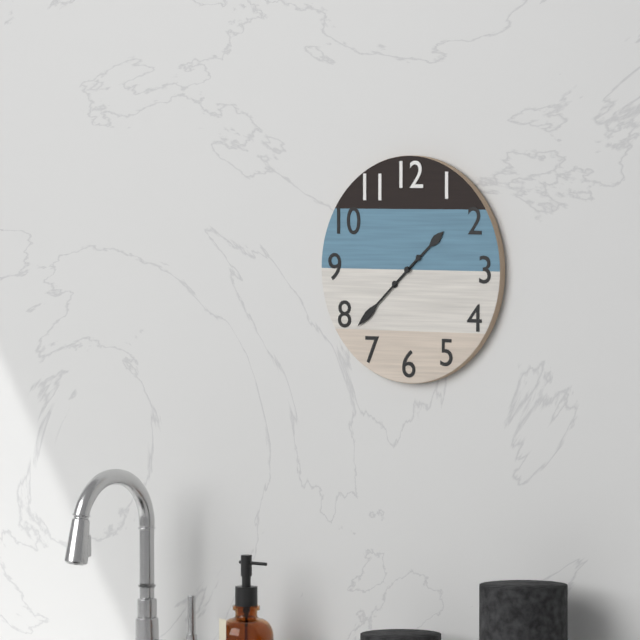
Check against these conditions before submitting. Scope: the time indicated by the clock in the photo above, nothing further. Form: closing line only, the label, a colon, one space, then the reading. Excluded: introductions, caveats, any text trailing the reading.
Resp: 1:38
